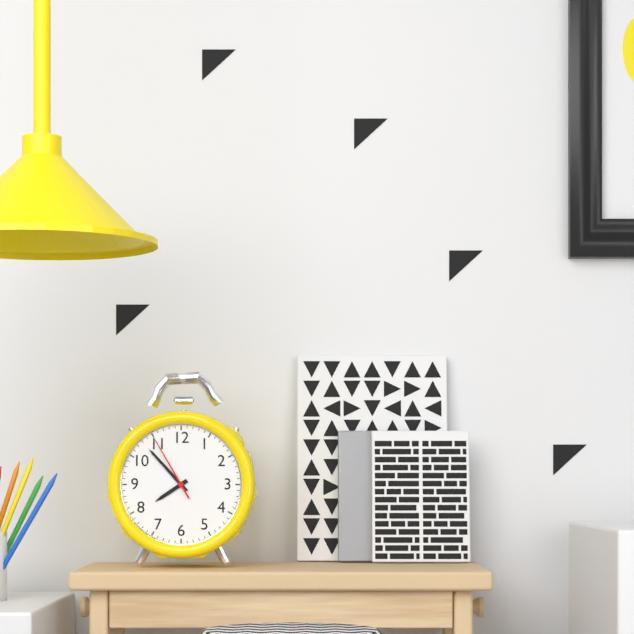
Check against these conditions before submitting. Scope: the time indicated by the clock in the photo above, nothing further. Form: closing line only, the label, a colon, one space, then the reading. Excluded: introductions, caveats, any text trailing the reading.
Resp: 7:53:55
